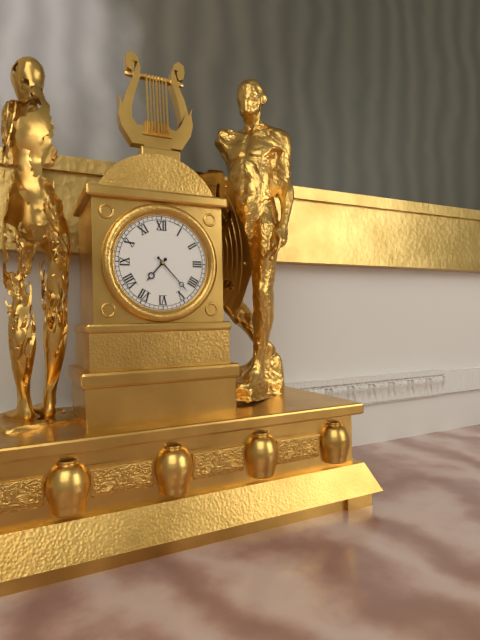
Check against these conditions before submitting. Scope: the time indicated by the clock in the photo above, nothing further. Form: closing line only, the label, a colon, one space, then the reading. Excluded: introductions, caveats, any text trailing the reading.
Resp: 7:23
